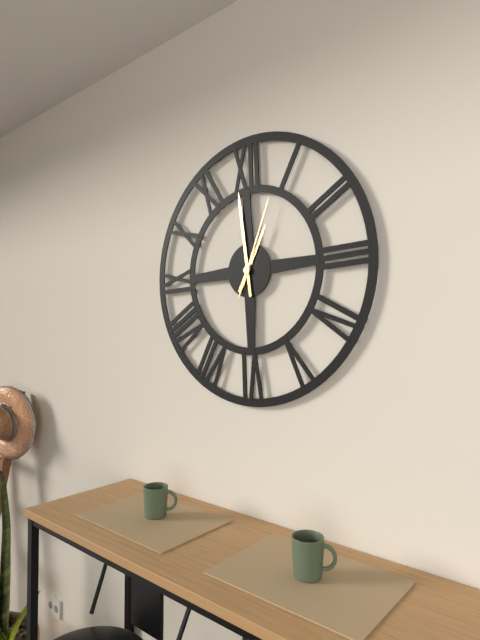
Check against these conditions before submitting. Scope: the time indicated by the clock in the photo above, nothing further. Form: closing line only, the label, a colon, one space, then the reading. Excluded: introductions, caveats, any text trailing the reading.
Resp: 12:59:04
